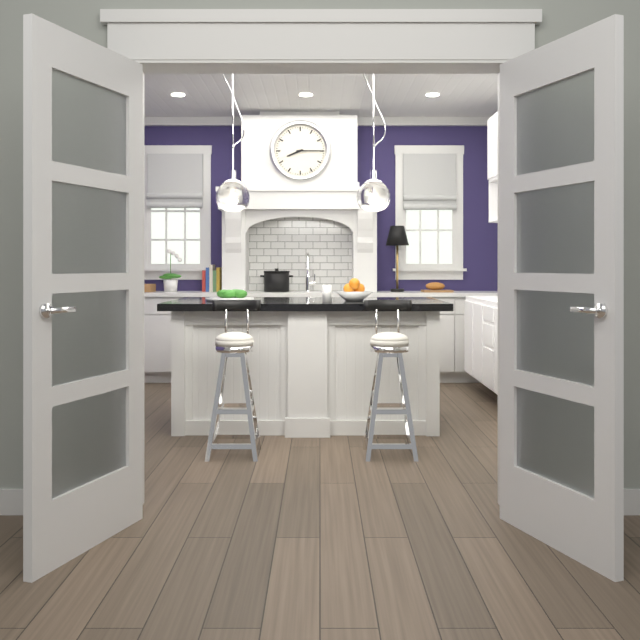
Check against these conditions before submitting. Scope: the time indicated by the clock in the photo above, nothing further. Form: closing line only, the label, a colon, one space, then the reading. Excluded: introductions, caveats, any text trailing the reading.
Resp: 8:15
